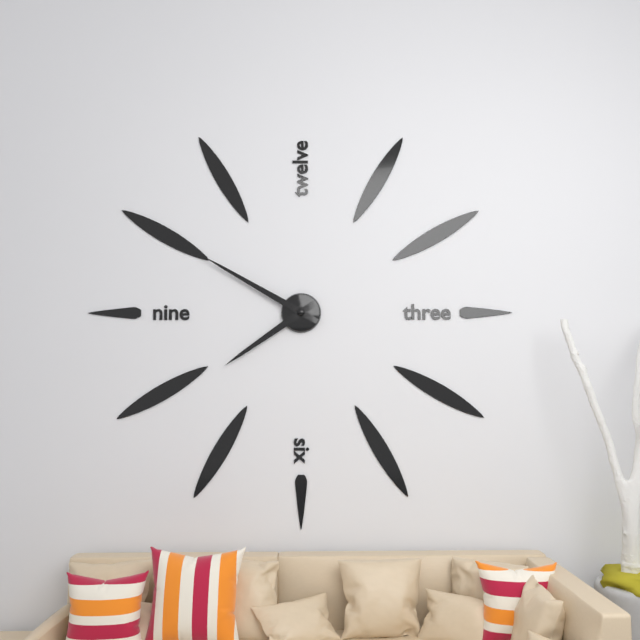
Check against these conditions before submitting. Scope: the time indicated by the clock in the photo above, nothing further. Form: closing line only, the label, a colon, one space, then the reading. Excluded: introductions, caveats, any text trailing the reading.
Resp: 7:50
